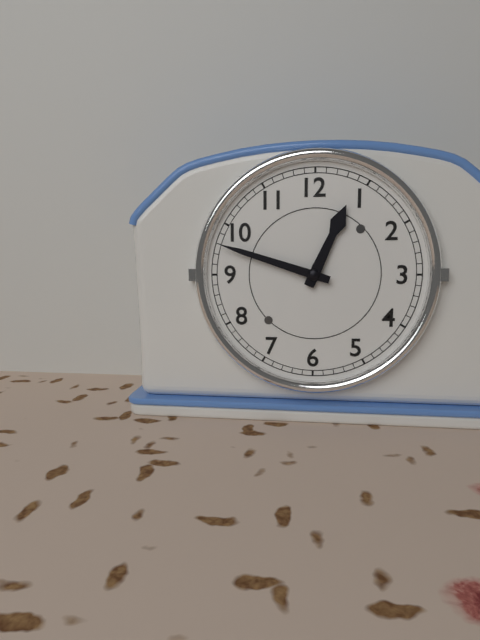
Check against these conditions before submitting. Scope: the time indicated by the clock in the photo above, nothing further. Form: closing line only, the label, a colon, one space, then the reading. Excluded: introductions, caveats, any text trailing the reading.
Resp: 12:48
